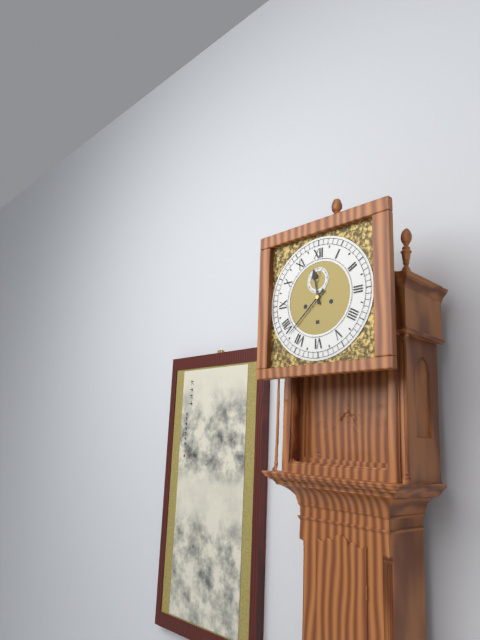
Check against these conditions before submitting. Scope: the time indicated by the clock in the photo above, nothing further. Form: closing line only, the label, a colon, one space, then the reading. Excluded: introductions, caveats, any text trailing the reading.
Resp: 11:38
